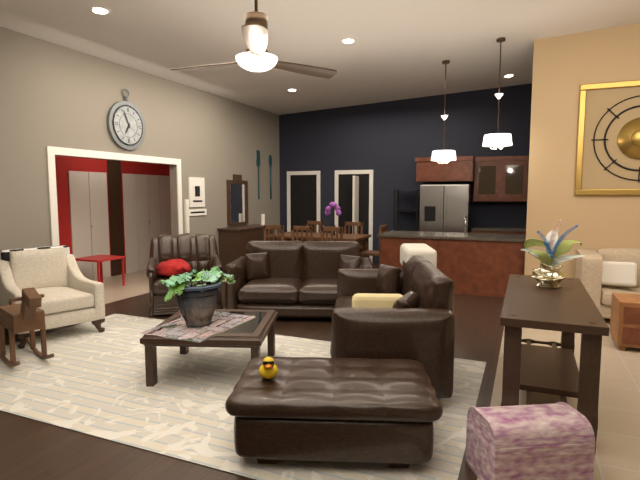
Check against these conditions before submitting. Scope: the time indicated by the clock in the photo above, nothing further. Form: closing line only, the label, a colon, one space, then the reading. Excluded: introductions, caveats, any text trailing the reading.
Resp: 6:56
